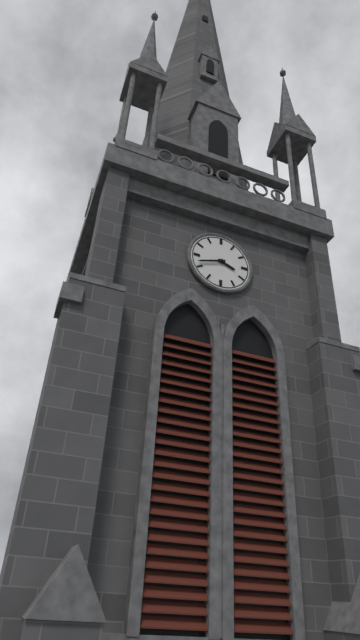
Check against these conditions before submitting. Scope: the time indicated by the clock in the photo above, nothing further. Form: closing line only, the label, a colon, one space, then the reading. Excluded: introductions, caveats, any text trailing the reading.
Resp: 3:42
